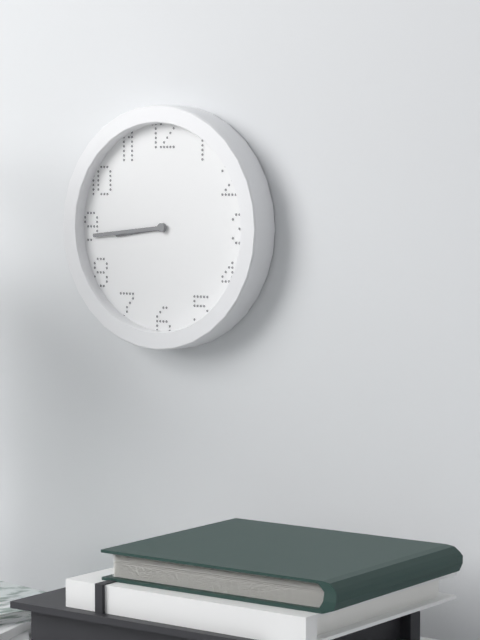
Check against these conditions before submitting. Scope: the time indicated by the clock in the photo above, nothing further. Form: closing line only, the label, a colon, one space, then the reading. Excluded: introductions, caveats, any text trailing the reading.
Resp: 8:44
